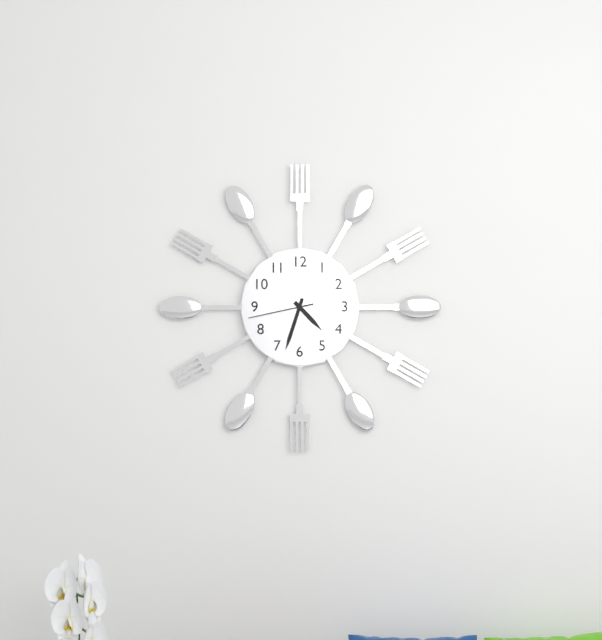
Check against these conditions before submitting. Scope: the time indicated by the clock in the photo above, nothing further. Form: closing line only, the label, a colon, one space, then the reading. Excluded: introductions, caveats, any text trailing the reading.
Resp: 4:33:43
